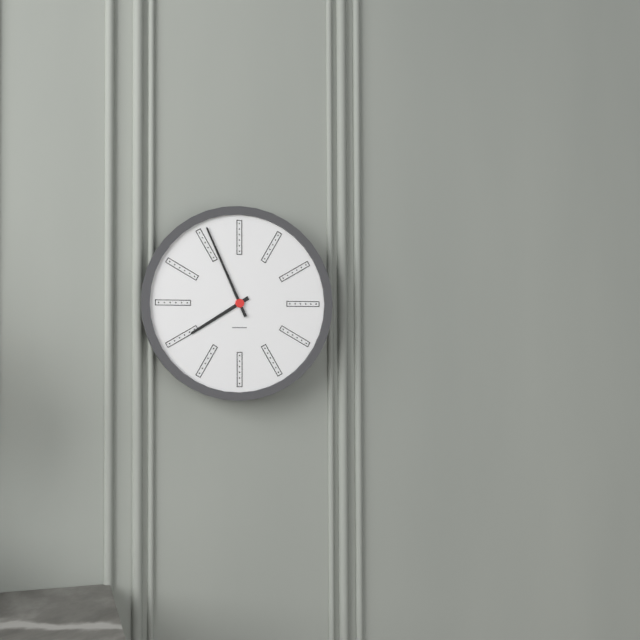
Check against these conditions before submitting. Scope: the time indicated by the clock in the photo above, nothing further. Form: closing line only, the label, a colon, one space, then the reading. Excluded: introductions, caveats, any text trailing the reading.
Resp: 7:56
